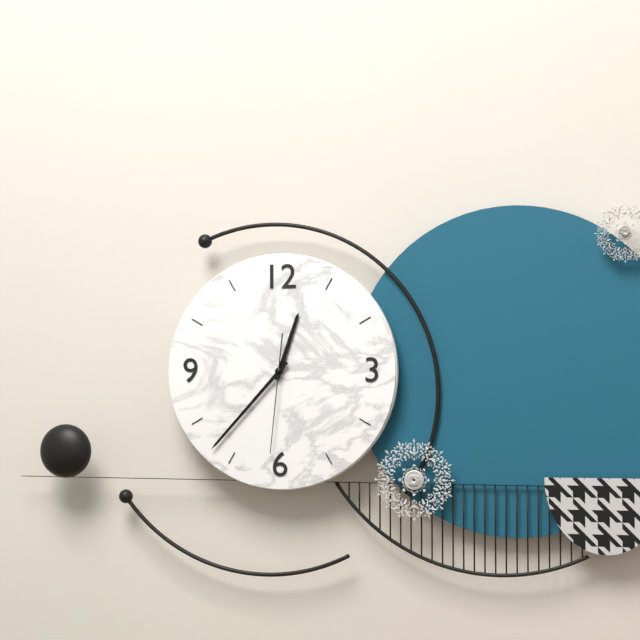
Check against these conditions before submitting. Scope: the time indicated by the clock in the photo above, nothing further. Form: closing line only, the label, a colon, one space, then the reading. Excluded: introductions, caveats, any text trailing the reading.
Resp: 12:37:31
